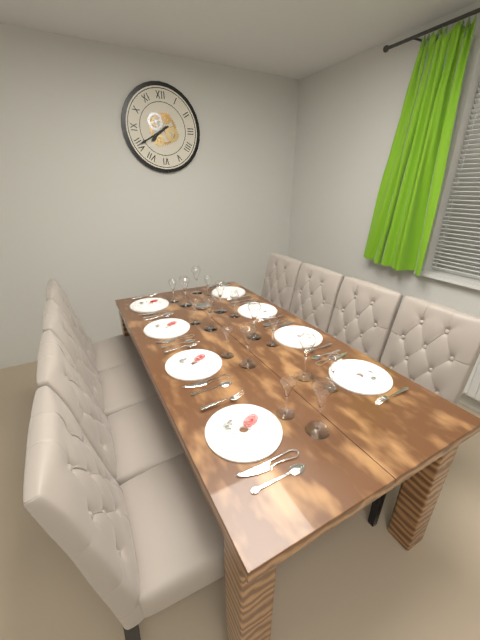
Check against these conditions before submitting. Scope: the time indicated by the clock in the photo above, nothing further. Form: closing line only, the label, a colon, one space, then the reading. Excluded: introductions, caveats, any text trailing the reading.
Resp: 7:40
